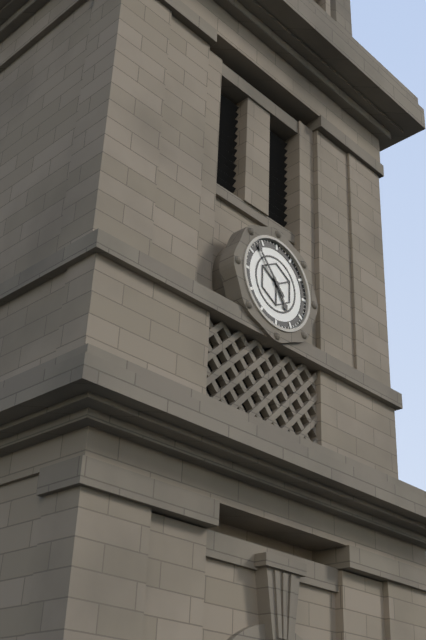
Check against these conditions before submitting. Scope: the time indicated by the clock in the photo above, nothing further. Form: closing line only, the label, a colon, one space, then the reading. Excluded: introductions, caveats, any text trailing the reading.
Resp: 4:53
